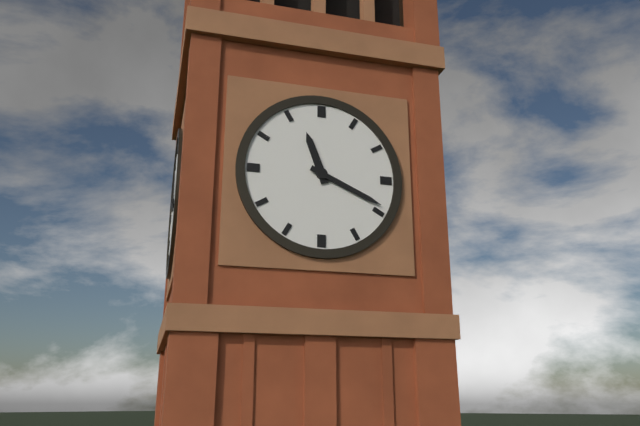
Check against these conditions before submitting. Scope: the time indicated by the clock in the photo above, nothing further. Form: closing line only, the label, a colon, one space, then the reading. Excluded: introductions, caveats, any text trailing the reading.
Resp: 11:19
